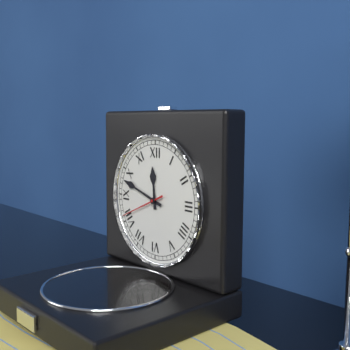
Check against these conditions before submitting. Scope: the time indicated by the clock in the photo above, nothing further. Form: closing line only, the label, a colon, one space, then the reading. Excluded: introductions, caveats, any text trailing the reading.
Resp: 11:48
